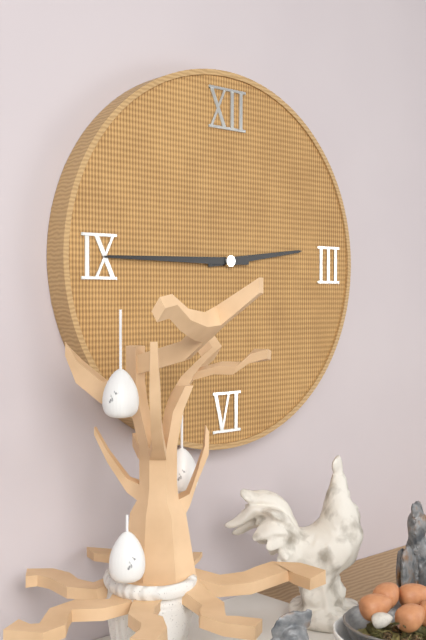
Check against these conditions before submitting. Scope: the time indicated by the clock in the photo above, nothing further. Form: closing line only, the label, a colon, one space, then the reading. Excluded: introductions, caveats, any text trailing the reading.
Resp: 2:45
